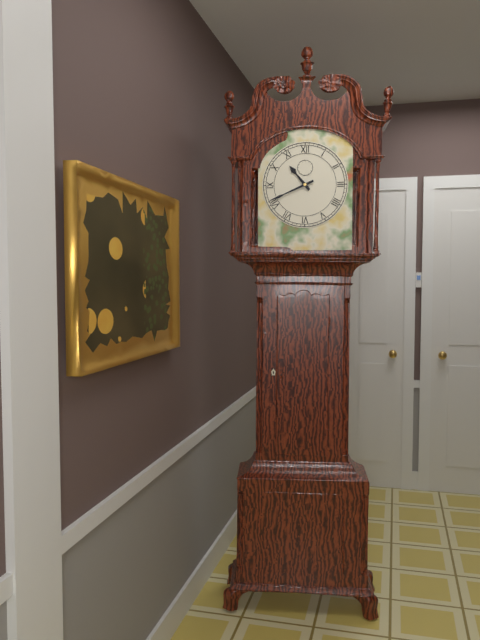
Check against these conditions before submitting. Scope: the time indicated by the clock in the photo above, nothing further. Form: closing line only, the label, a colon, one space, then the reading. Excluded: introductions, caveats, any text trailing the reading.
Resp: 10:41
